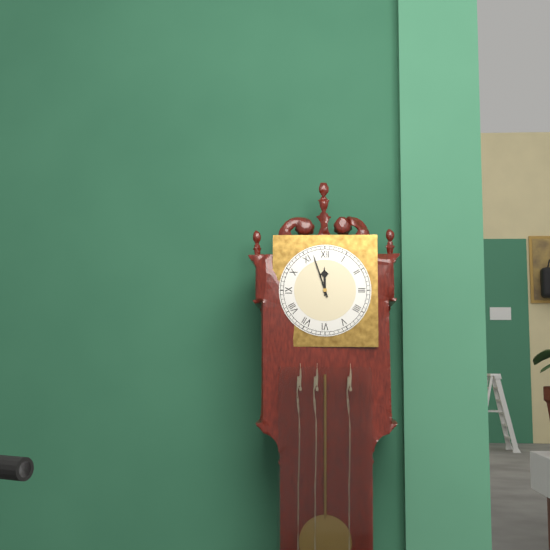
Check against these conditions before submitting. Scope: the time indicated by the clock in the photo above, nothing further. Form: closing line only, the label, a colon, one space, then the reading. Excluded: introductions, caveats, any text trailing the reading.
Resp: 11:57
